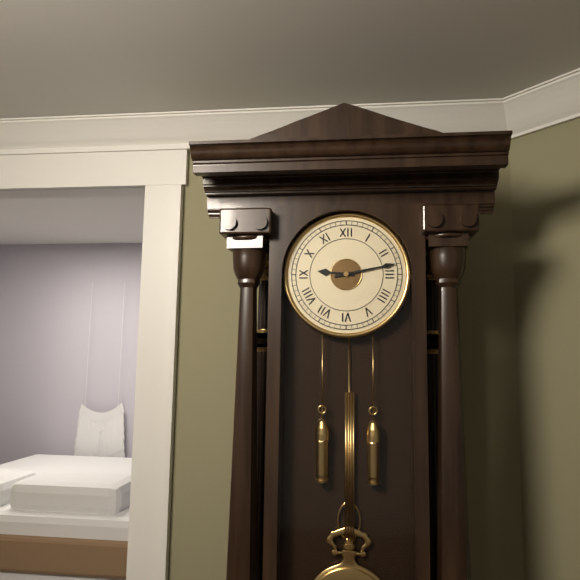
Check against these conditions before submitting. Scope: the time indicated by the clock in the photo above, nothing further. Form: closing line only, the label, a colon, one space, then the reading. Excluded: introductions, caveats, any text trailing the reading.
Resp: 9:13
